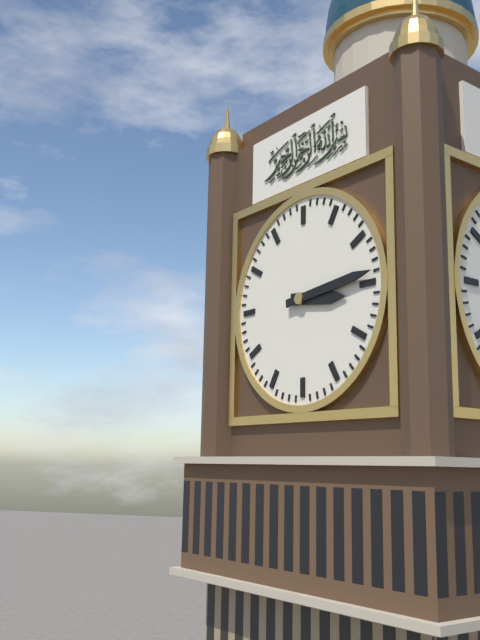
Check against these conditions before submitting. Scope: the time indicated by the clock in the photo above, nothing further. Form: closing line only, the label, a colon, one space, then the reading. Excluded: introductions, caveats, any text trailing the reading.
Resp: 3:14
